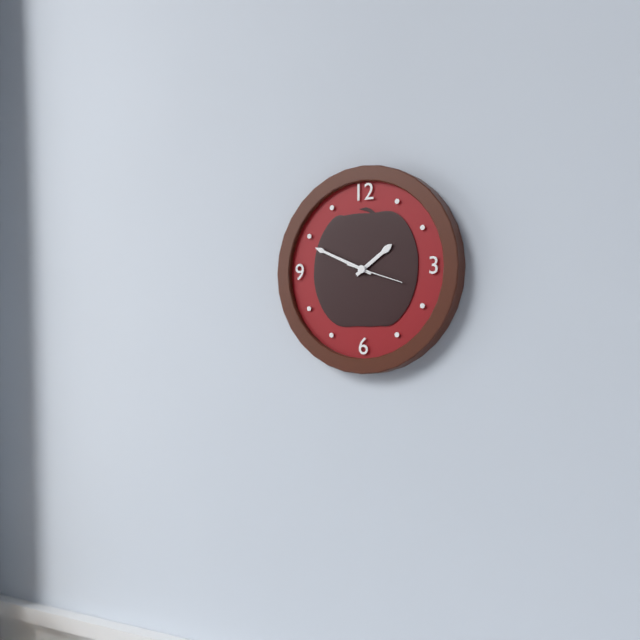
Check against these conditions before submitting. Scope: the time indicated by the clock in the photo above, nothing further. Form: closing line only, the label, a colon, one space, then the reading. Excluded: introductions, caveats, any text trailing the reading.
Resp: 1:49:18
